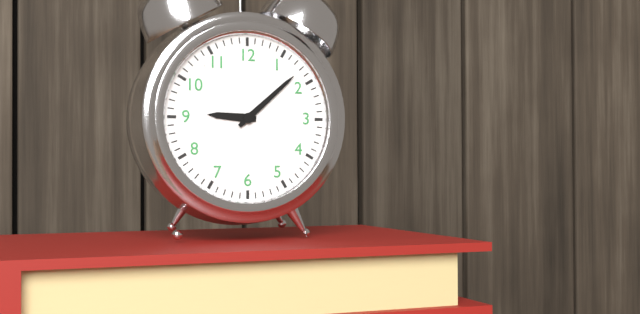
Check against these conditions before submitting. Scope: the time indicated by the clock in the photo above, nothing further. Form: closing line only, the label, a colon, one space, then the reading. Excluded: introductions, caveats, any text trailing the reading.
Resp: 9:08
